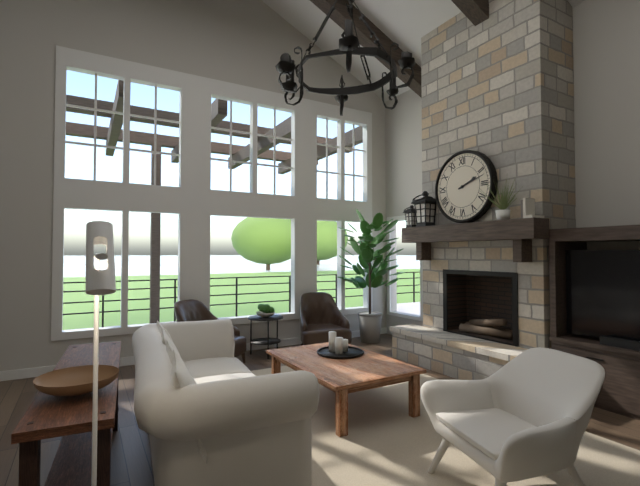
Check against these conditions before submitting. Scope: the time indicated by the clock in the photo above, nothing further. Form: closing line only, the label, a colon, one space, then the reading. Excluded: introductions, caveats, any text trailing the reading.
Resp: 2:12
